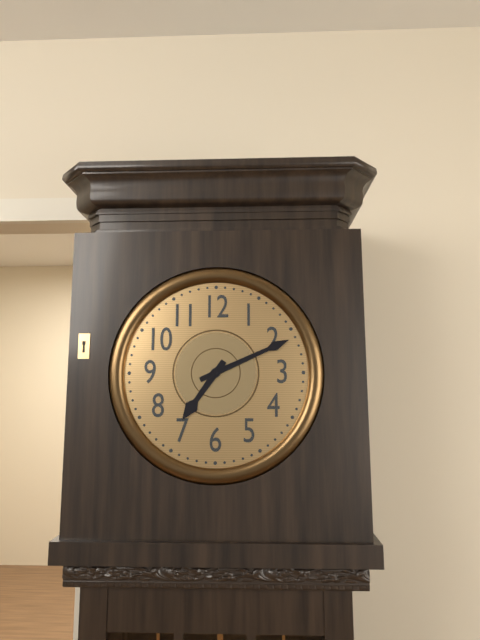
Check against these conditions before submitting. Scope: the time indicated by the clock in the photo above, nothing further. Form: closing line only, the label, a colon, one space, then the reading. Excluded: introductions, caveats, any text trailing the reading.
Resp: 7:11
